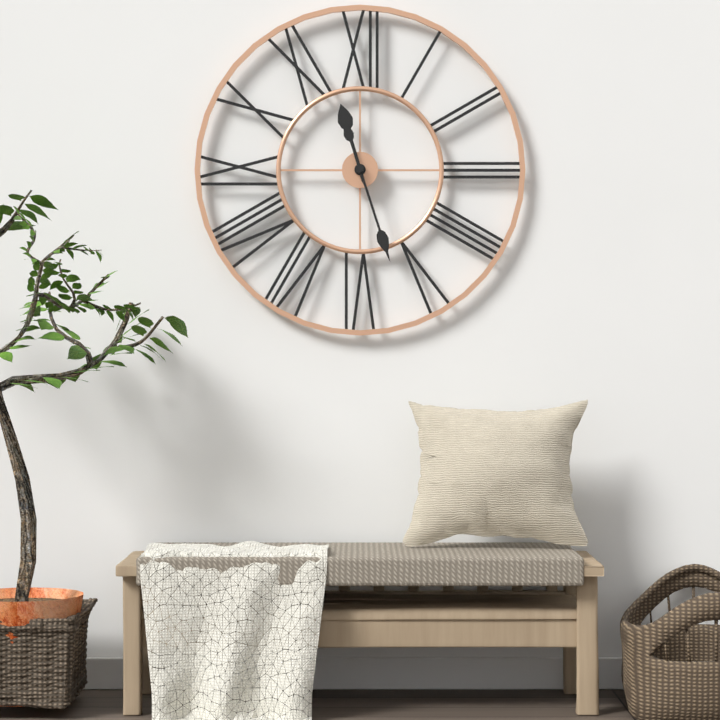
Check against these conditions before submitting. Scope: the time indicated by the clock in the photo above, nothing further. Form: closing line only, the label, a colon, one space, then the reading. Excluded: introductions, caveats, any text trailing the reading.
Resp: 11:27
